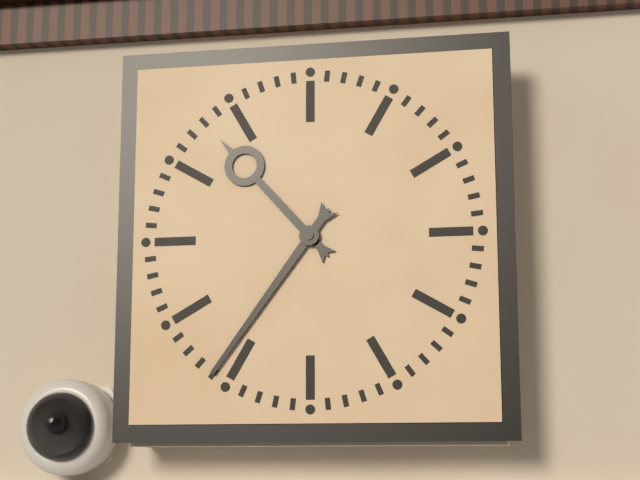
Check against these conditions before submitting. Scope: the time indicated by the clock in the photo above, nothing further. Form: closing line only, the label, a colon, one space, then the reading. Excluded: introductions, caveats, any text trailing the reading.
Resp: 10:36
